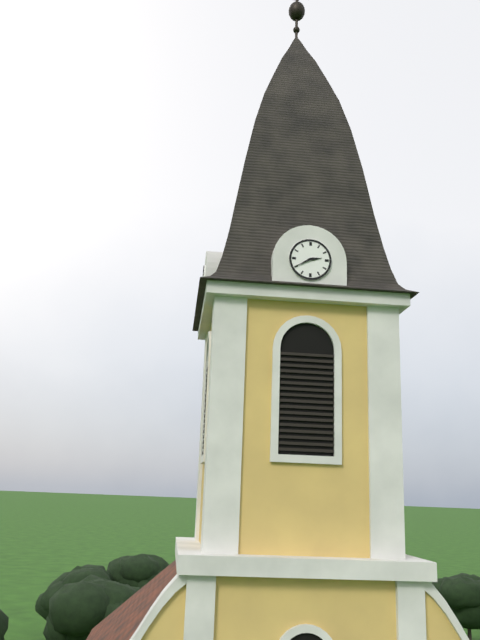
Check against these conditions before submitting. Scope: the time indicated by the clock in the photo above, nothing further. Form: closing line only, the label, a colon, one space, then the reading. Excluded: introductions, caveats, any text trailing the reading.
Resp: 2:40
